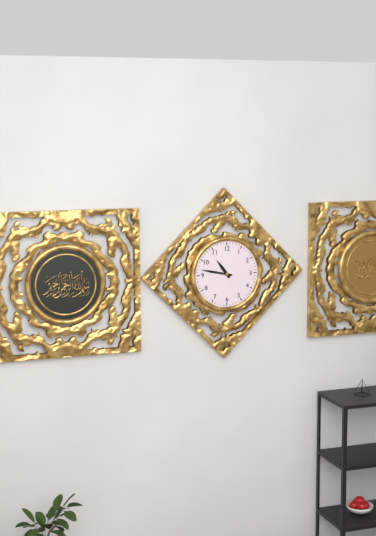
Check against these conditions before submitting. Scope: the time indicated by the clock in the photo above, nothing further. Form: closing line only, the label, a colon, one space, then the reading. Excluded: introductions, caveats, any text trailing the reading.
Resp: 10:47
